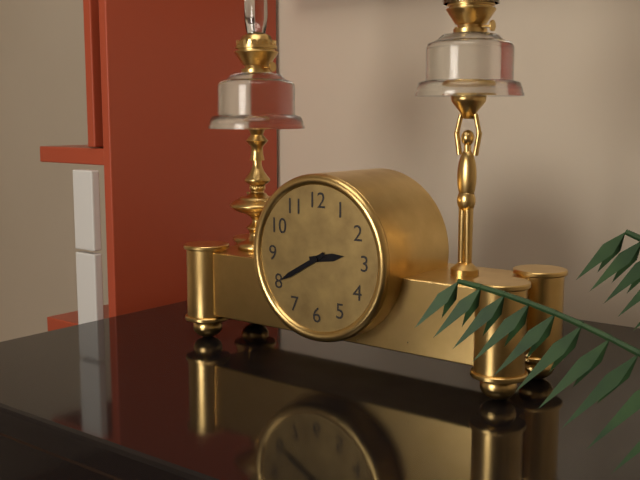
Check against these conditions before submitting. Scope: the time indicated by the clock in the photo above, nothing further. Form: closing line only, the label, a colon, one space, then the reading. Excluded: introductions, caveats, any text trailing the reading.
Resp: 2:40
